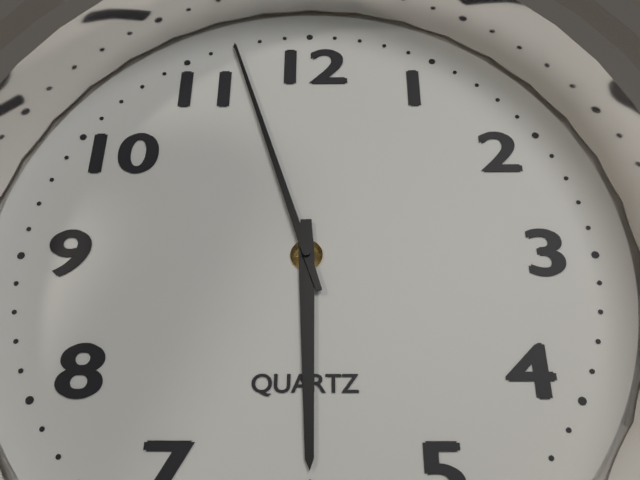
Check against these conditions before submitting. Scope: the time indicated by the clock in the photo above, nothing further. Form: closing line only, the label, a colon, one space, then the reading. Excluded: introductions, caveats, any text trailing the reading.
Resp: 5:57
